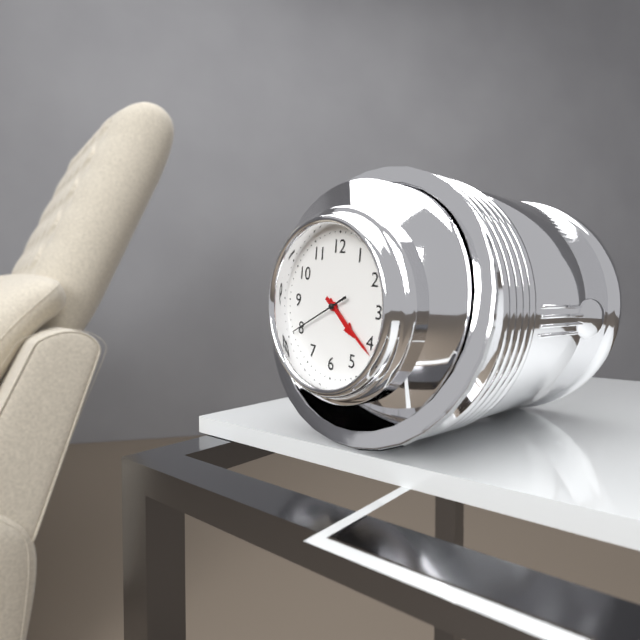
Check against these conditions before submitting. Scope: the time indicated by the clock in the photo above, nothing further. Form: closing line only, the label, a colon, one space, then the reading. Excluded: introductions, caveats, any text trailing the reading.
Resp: 4:21:40
